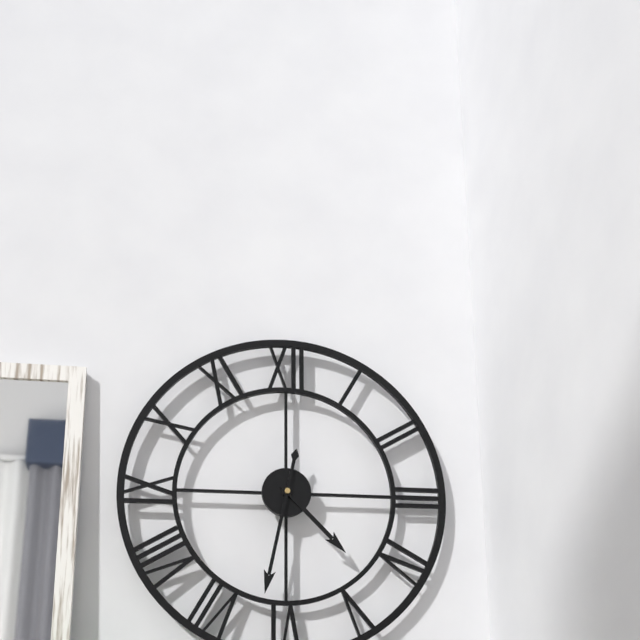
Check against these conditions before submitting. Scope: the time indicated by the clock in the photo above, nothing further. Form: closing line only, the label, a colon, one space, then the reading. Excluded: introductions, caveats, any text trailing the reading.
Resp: 4:32
